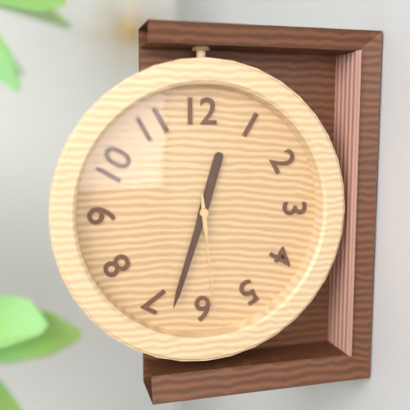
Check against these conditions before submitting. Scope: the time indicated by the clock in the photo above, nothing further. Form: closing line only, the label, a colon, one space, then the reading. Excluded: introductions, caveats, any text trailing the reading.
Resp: 12:33:29
